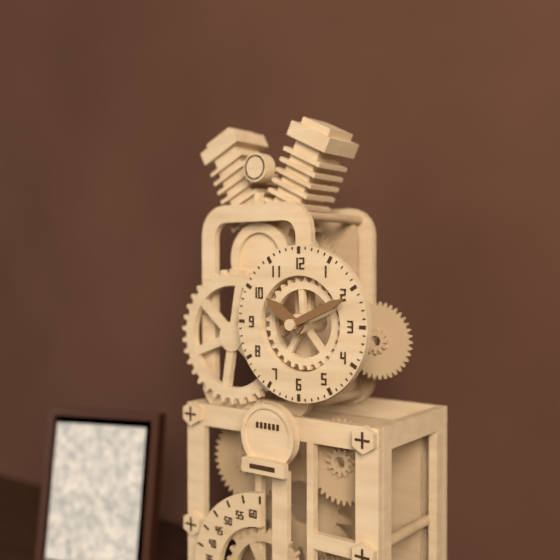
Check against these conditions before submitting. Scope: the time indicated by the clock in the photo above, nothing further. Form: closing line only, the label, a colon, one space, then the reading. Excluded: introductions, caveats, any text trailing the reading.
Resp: 10:11
